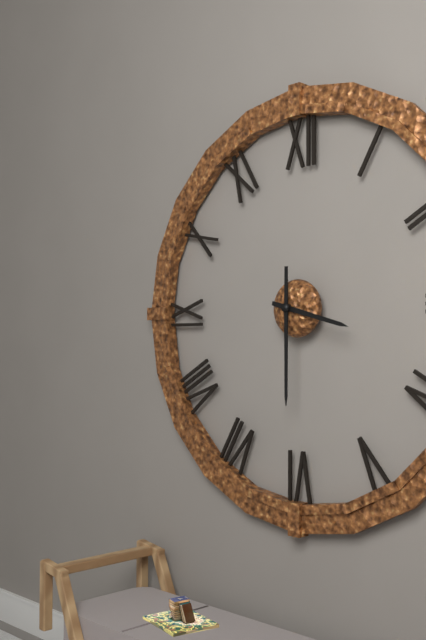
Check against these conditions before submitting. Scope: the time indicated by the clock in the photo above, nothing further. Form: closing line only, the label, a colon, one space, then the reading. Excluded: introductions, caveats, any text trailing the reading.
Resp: 3:30
